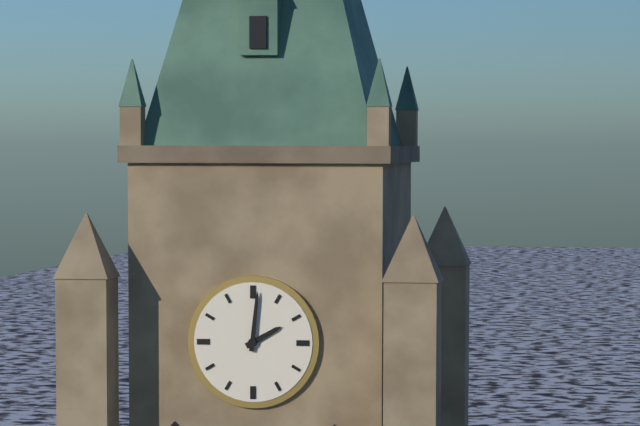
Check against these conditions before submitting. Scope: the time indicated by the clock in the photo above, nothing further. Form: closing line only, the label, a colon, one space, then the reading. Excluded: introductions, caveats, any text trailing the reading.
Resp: 2:01
